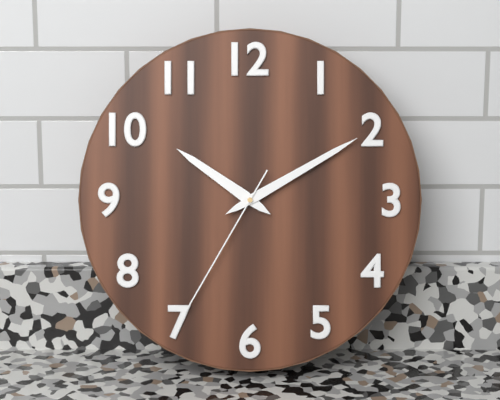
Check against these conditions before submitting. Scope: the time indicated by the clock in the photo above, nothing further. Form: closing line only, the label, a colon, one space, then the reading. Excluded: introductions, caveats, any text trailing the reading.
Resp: 10:10:35
